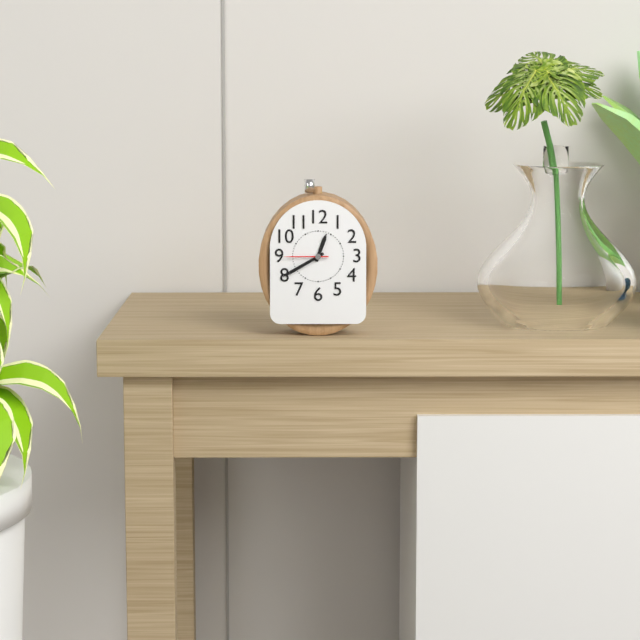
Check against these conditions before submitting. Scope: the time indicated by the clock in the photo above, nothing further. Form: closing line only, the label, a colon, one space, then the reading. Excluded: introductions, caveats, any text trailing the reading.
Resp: 12:40
